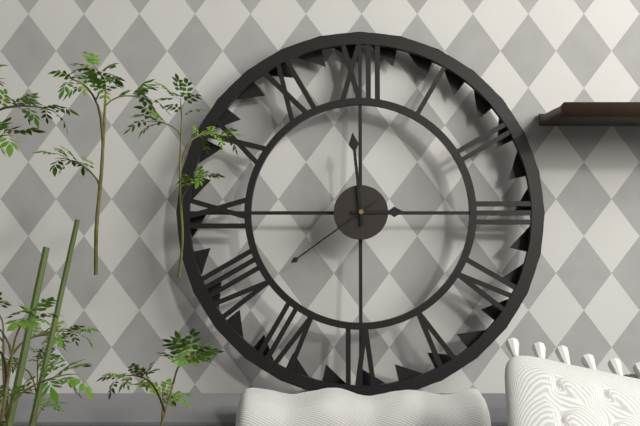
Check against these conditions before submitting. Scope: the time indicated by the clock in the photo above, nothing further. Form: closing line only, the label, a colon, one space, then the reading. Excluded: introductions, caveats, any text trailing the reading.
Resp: 2:59:39
